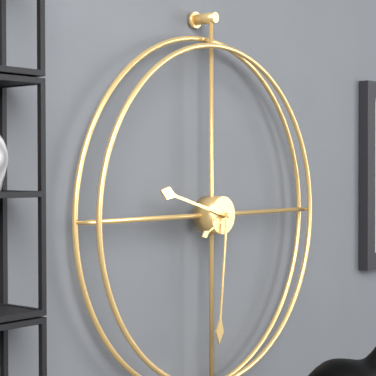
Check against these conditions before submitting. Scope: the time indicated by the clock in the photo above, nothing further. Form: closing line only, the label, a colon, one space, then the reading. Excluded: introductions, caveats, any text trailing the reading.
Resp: 9:31
